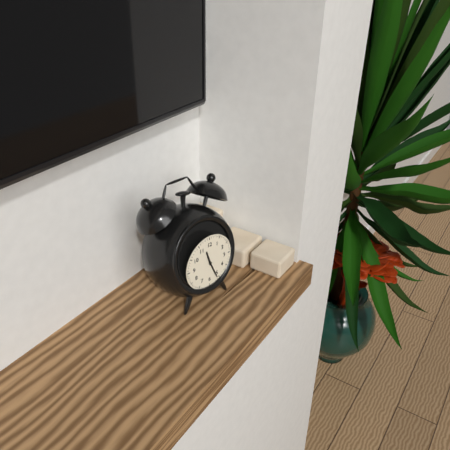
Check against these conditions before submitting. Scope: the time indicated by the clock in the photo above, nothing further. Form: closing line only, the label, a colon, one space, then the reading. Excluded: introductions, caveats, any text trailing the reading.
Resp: 11:26
